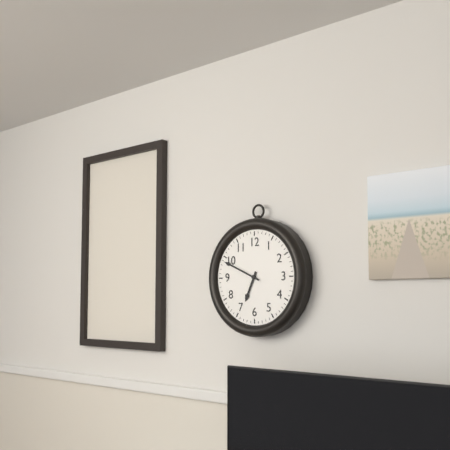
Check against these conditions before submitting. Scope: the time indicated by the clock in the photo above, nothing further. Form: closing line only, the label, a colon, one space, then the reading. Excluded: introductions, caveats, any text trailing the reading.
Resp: 6:49
